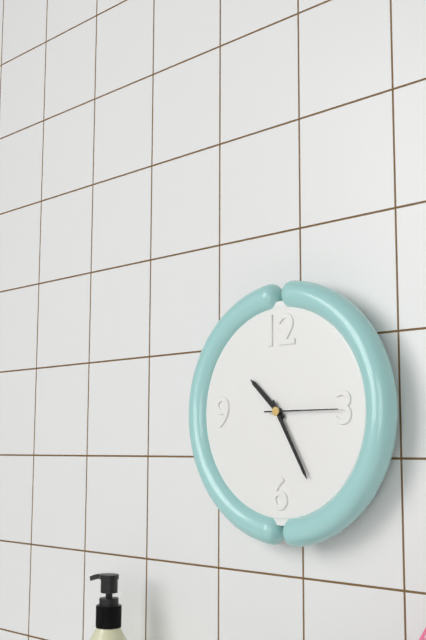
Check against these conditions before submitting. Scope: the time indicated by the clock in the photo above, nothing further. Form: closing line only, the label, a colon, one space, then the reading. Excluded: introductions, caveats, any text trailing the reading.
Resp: 10:25
